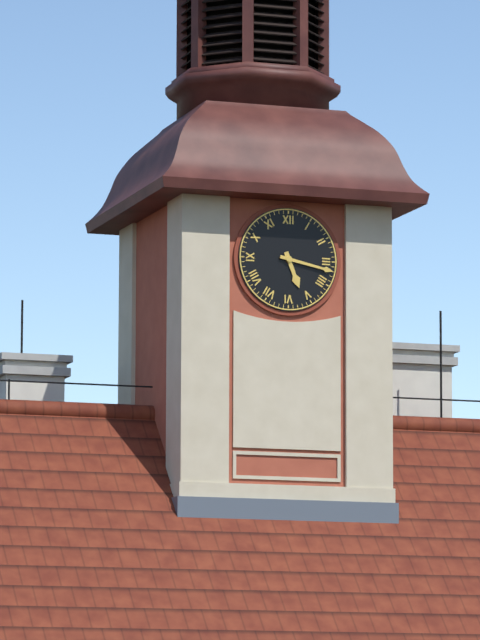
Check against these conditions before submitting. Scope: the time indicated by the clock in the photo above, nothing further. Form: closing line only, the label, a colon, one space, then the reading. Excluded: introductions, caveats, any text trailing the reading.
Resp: 5:17
